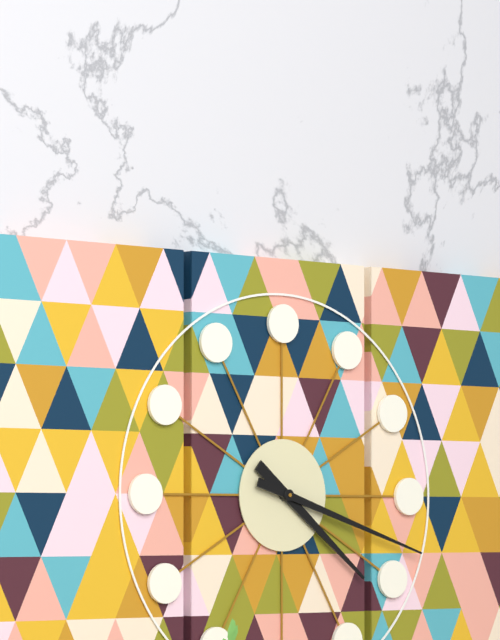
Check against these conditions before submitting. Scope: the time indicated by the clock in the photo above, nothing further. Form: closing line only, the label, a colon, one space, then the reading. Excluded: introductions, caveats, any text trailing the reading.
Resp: 4:18
